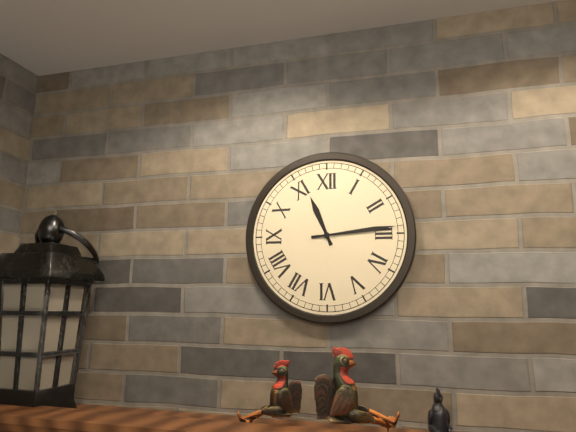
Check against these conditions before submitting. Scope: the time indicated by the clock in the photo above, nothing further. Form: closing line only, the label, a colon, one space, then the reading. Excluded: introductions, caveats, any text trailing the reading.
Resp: 11:14
